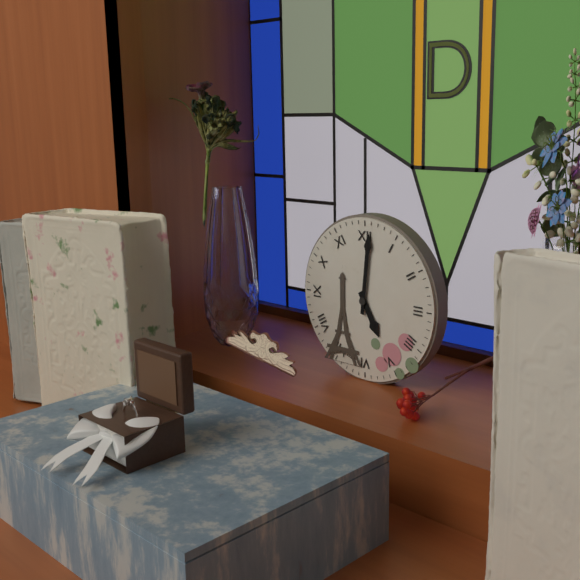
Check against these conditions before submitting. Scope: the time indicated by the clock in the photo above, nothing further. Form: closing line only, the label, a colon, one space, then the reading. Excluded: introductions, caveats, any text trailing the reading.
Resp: 5:01
